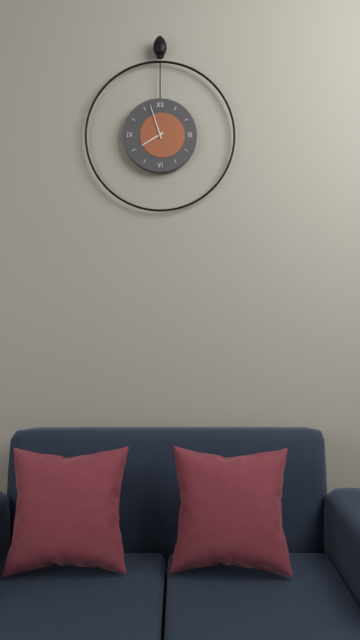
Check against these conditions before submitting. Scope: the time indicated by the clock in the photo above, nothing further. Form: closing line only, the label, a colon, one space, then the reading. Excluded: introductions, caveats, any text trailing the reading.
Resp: 7:57
